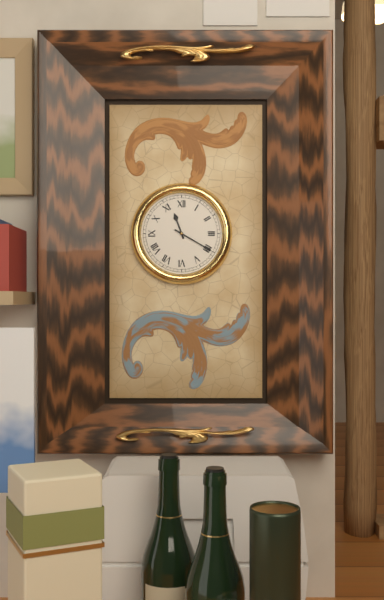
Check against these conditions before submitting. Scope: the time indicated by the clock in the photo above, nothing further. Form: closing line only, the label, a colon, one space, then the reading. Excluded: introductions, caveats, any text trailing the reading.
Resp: 11:20
